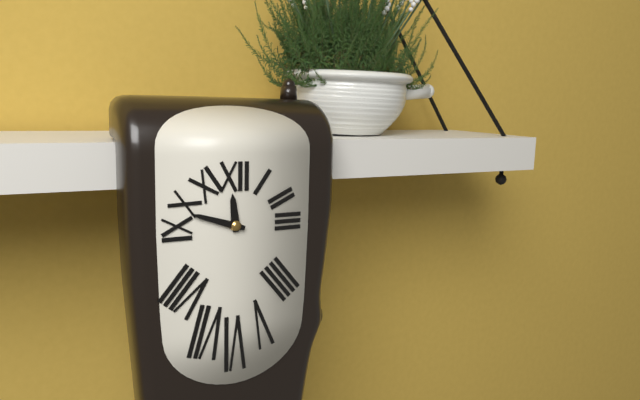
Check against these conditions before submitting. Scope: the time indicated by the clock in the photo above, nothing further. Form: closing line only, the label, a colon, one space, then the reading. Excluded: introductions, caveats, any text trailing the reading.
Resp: 11:48
